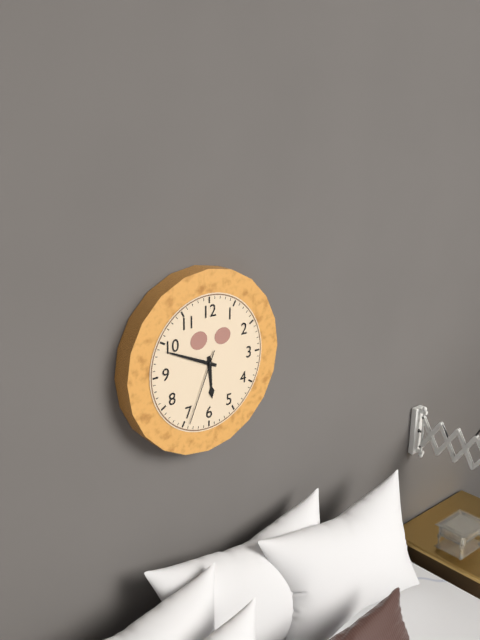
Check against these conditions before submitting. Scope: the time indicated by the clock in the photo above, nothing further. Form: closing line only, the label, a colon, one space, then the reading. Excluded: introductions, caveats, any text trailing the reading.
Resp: 5:49:34
